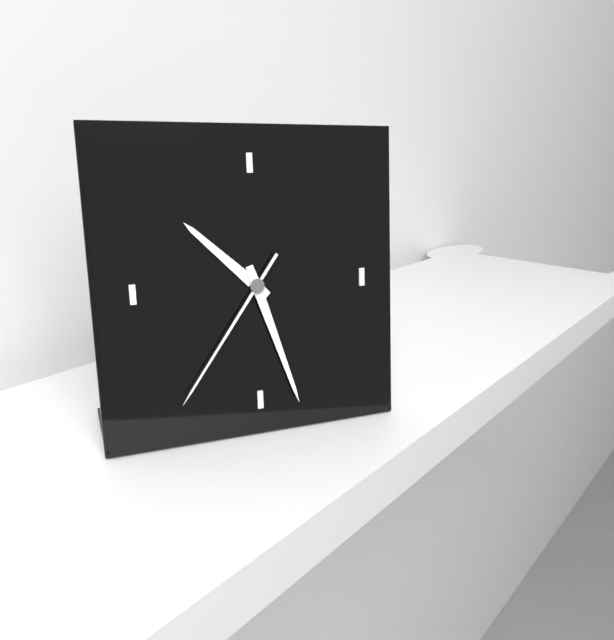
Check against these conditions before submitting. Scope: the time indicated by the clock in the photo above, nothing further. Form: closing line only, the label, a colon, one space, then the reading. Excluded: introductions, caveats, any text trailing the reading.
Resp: 10:27:36
